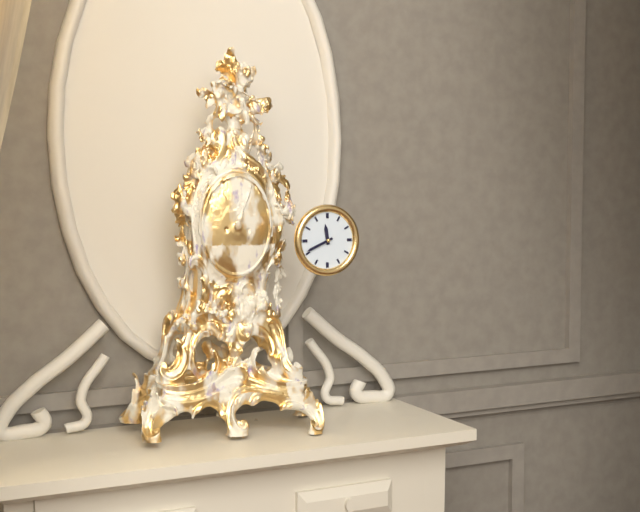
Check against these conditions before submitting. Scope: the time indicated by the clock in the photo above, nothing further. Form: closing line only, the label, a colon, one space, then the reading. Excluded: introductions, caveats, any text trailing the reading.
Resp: 11:41
